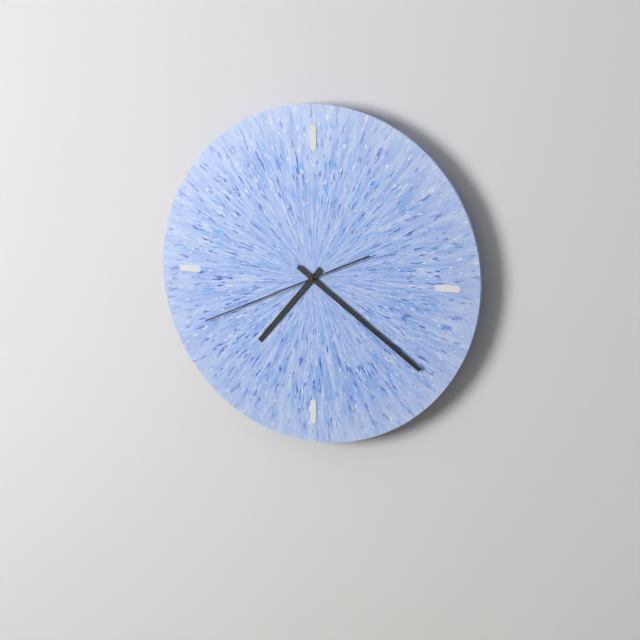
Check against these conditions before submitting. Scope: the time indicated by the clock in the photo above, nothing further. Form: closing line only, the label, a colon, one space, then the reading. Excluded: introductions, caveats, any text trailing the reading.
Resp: 7:21:41
